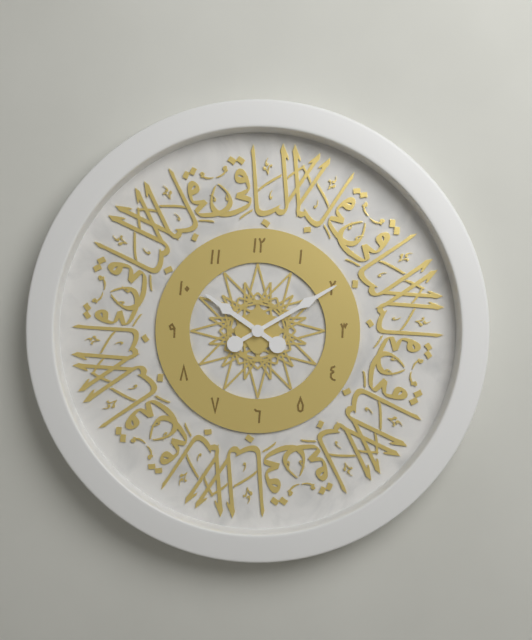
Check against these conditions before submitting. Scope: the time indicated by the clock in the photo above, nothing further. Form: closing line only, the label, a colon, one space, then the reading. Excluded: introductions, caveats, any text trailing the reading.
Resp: 10:10
